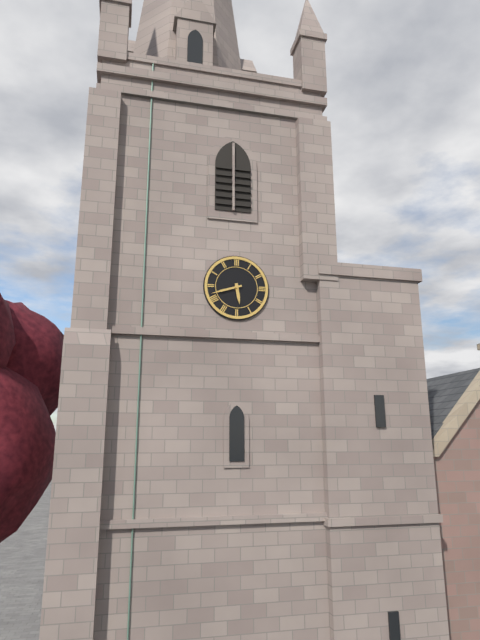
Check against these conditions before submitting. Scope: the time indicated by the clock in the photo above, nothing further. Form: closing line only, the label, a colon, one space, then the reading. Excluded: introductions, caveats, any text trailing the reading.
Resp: 5:42
